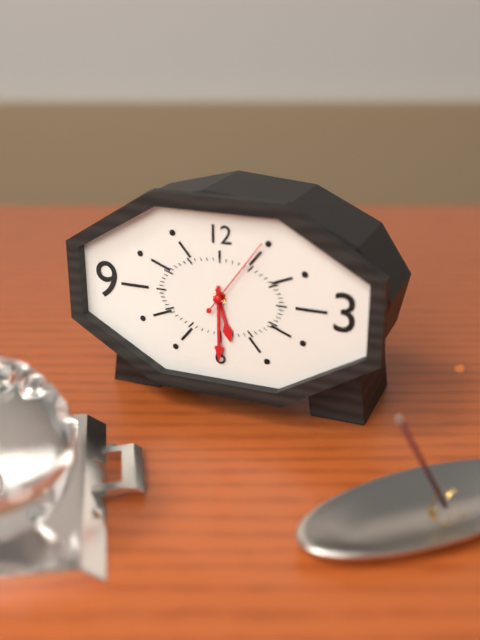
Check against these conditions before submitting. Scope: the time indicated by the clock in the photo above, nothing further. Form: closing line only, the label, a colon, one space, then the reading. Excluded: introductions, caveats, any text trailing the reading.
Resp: 5:30:06
